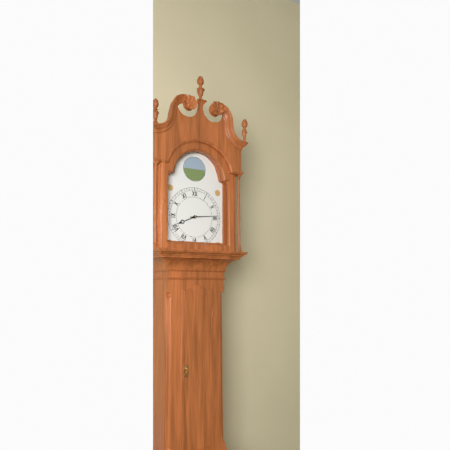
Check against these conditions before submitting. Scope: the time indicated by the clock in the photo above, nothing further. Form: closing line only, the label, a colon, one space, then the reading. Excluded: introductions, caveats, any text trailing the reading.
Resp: 8:14
